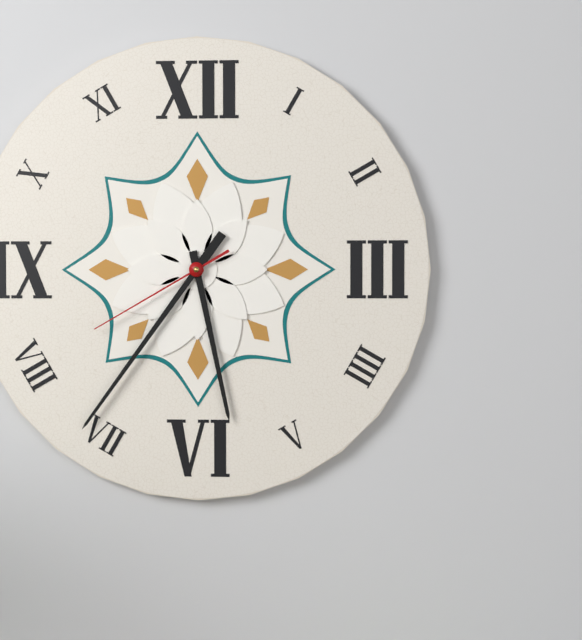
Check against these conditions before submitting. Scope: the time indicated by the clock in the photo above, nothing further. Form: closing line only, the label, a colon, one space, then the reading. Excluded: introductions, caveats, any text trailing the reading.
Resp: 5:36:40
